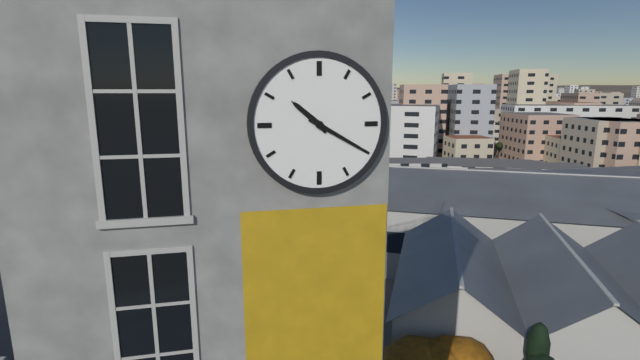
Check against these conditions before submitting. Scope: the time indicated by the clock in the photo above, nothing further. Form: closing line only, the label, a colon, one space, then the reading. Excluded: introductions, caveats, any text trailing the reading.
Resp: 10:20
